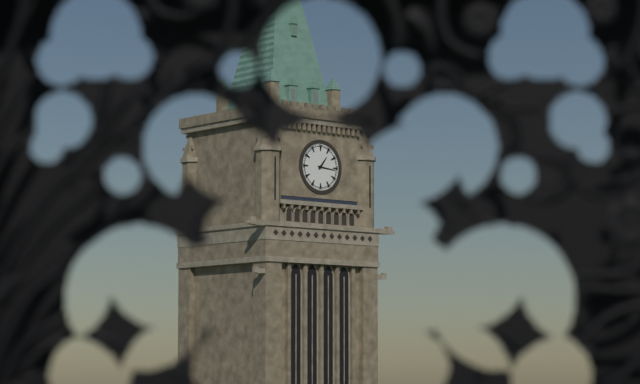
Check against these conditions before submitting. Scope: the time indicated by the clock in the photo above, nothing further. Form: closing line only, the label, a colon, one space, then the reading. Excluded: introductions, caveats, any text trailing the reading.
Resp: 1:16
